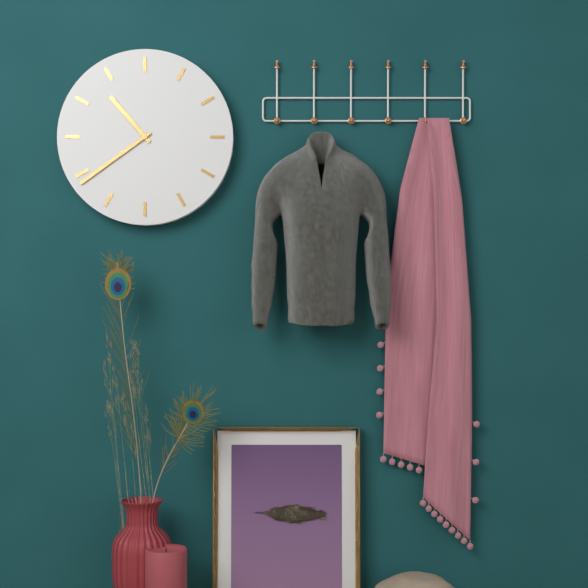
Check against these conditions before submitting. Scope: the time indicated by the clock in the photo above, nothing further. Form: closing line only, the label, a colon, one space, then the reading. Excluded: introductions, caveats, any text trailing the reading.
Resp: 10:39
